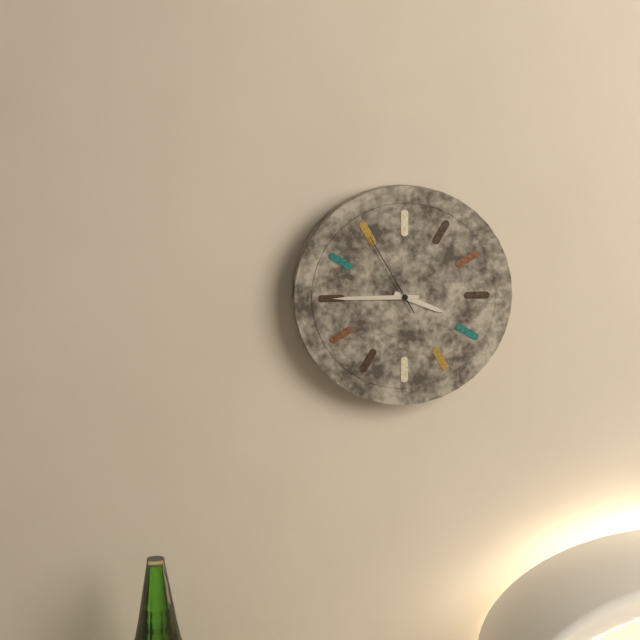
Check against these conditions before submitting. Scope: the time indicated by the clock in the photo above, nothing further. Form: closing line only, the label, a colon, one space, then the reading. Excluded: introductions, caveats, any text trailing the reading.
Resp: 3:45:55
